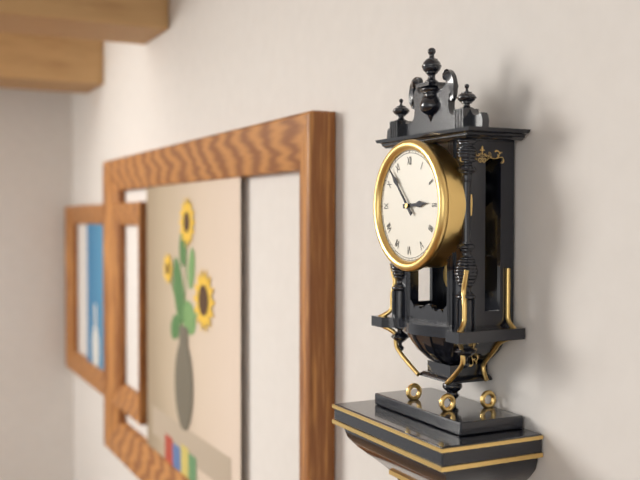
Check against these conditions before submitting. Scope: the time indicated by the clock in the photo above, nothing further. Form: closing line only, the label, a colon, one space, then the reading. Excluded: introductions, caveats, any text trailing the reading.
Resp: 2:53
